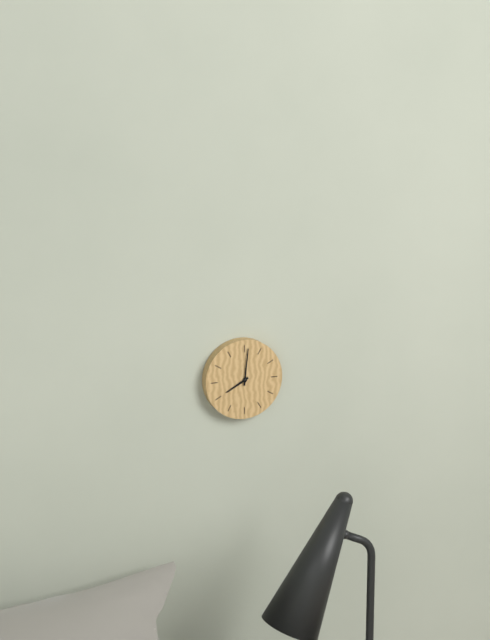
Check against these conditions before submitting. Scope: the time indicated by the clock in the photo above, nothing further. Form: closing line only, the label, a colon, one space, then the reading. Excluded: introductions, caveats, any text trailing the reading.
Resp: 8:01
